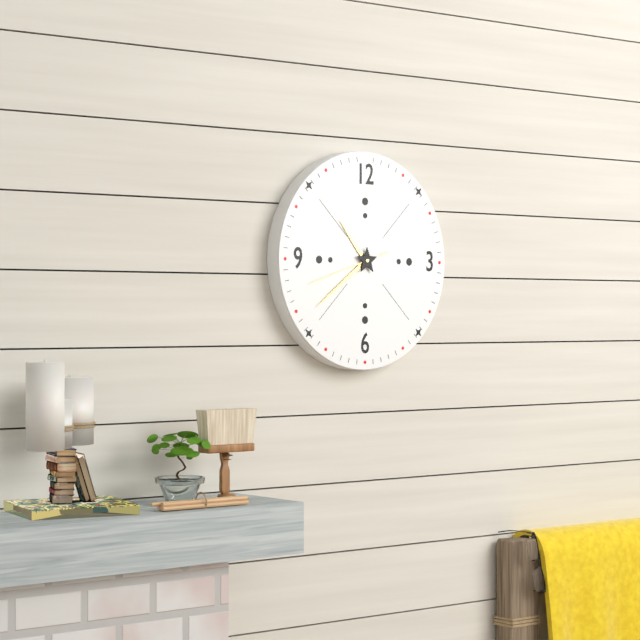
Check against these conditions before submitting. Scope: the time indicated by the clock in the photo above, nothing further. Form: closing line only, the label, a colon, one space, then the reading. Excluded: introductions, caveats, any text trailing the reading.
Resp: 10:39:42
